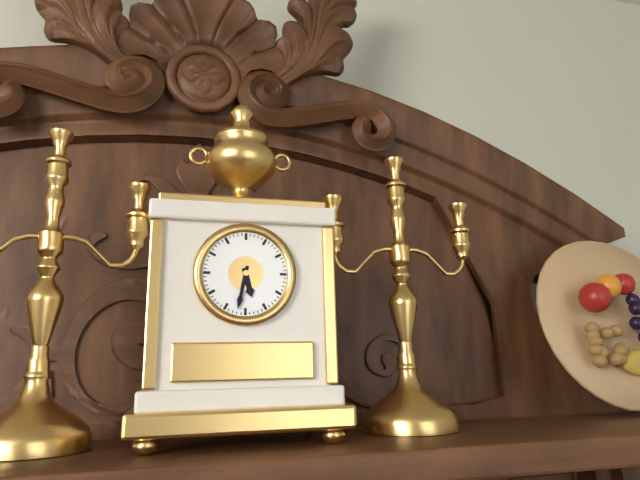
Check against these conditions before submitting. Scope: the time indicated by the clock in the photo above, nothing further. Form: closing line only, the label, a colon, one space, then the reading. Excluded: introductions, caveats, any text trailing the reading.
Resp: 5:32
